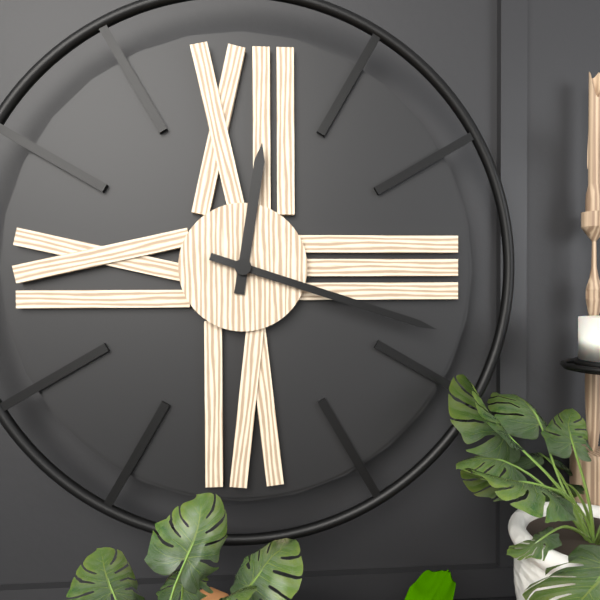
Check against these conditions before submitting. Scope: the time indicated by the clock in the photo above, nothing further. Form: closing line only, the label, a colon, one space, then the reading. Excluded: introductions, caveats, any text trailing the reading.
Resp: 12:18
